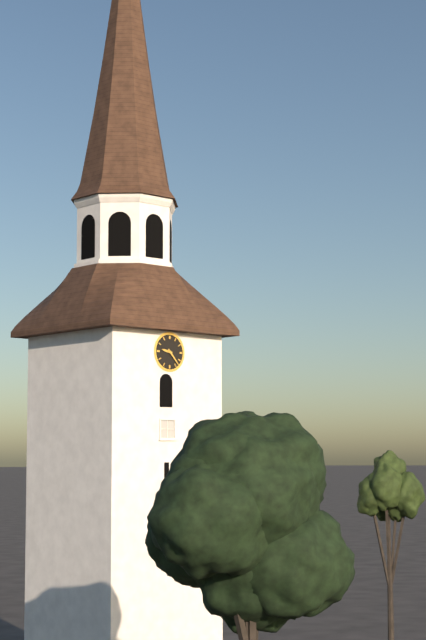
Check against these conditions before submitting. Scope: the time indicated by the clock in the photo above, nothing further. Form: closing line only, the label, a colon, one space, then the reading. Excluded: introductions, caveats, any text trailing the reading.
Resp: 9:23
